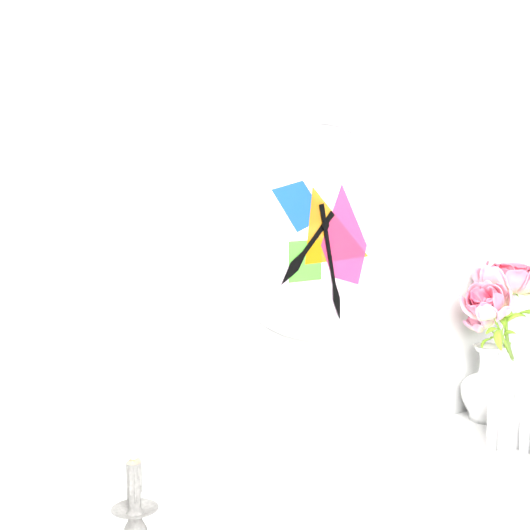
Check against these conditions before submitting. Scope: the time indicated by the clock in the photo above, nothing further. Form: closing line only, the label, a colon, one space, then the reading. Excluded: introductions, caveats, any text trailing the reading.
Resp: 7:28
